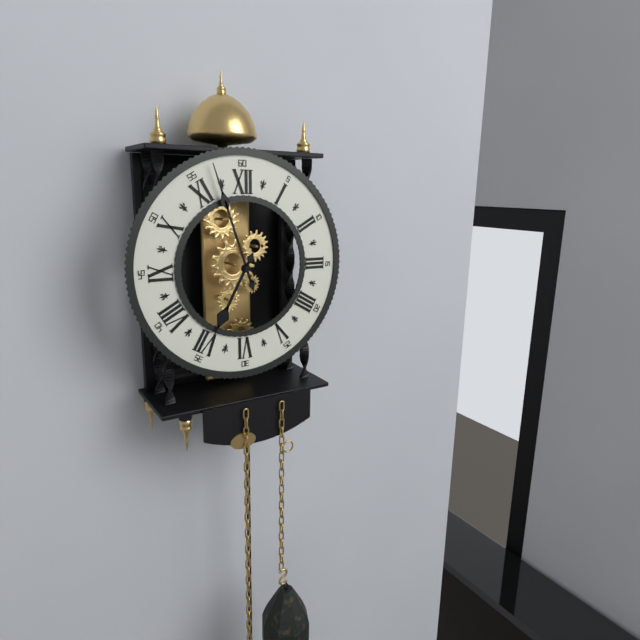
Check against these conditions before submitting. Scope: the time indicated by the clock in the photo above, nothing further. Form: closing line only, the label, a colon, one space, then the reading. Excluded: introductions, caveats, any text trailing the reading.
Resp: 6:57
